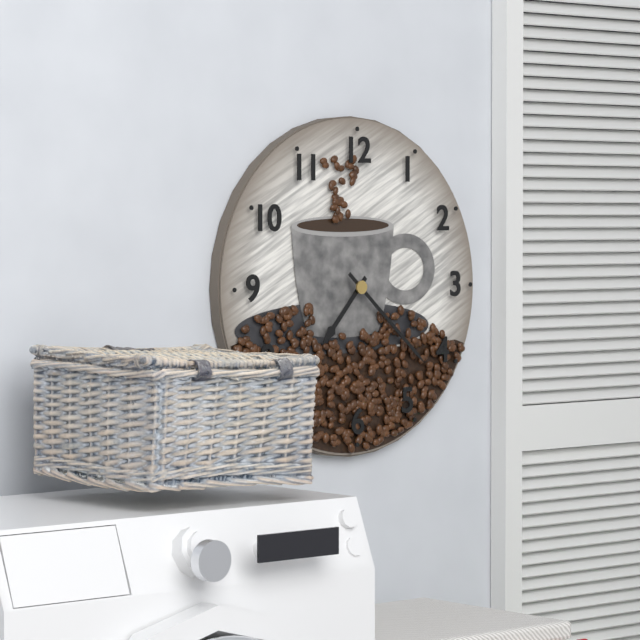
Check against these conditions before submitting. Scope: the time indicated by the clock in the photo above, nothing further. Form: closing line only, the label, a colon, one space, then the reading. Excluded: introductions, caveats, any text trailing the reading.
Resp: 7:22
